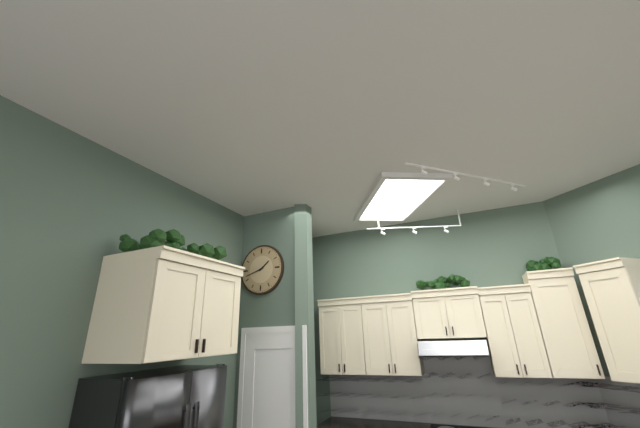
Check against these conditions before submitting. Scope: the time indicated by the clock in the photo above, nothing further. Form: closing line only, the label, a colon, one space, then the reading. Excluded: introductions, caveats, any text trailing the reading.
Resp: 1:42
